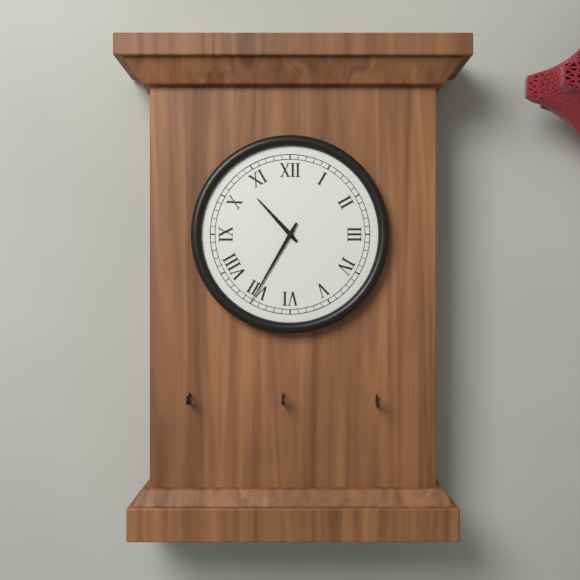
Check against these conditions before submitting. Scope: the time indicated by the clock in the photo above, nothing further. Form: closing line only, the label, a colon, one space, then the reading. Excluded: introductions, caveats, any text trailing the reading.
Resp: 10:35
